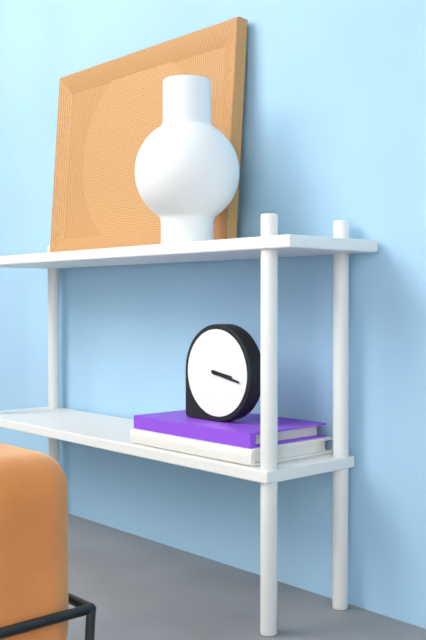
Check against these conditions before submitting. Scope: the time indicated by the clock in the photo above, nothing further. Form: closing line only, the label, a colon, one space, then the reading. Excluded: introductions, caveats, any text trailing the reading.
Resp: 3:17
